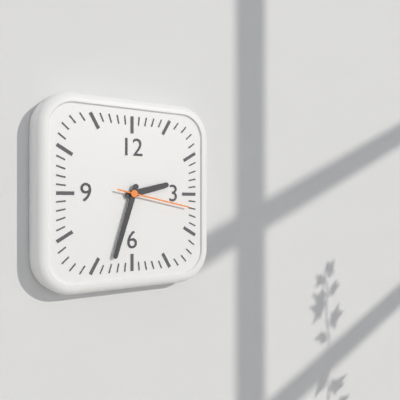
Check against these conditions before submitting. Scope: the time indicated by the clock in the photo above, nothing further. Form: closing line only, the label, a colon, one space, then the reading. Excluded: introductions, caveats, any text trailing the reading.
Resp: 2:33:17
